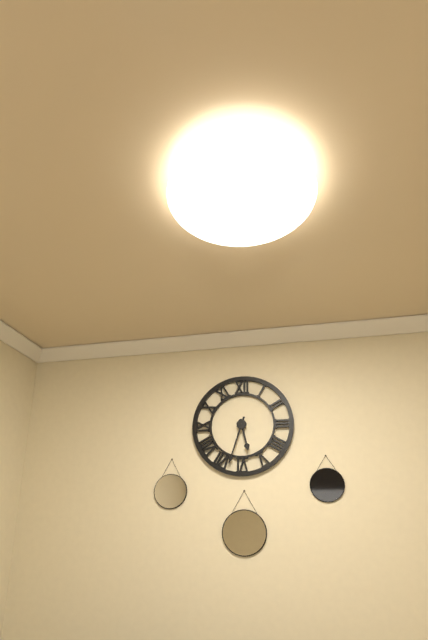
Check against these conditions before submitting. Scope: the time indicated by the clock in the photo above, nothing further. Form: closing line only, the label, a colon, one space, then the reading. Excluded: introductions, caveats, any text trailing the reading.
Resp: 5:33
